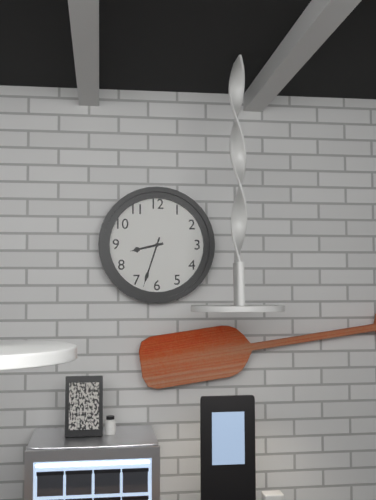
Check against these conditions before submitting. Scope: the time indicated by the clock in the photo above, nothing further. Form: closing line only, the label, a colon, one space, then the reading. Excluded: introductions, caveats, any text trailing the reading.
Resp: 8:33
